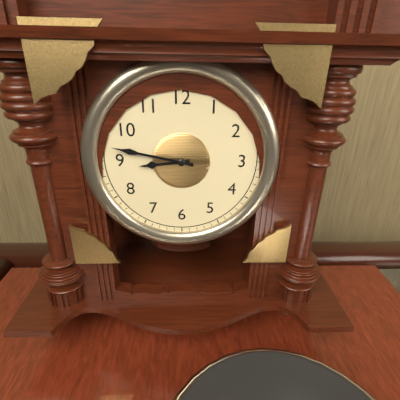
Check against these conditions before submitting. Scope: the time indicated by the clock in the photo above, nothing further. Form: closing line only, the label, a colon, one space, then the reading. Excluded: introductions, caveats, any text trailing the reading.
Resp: 8:47
